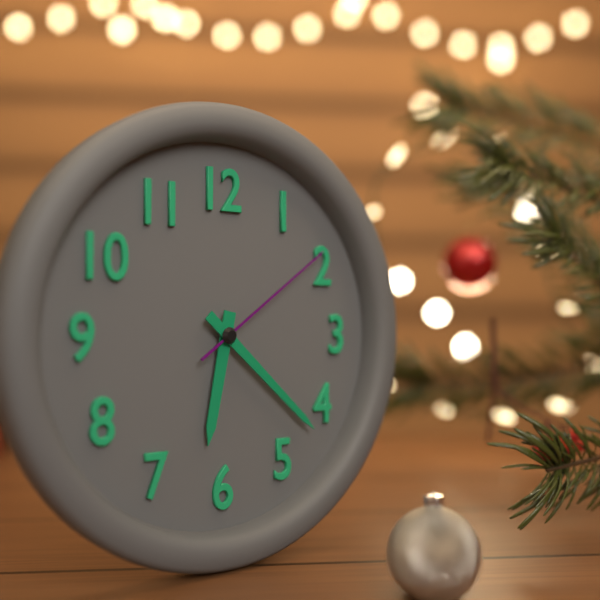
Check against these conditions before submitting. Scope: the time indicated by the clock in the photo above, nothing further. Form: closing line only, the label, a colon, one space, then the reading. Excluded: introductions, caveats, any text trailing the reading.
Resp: 6:22:09
